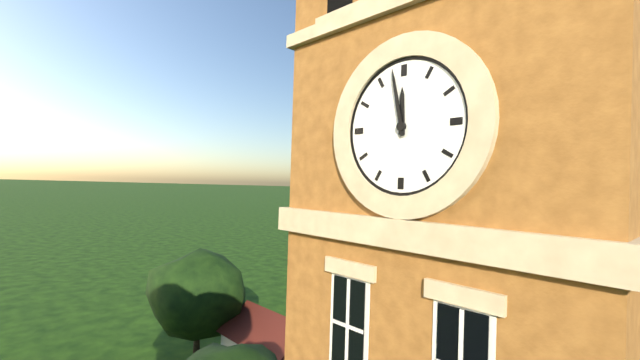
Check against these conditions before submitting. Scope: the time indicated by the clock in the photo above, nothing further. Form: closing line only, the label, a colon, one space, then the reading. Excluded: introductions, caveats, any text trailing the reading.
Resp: 11:58
